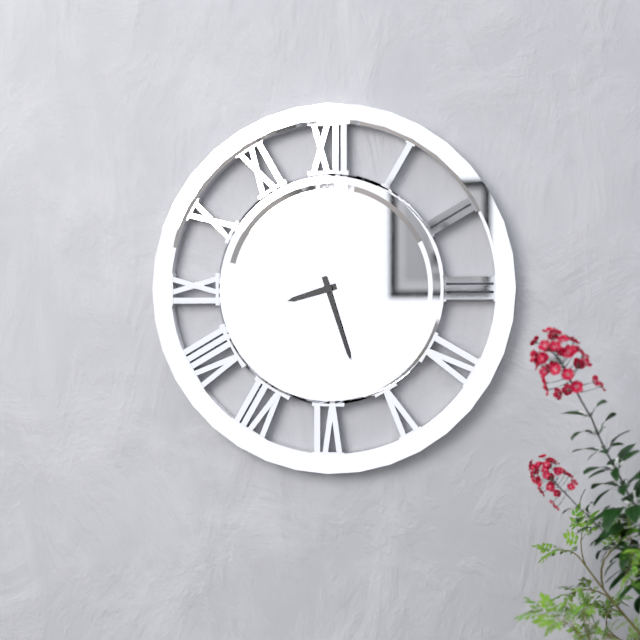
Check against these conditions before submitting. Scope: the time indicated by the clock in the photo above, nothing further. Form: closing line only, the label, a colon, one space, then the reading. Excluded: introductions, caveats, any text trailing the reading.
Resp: 8:27
